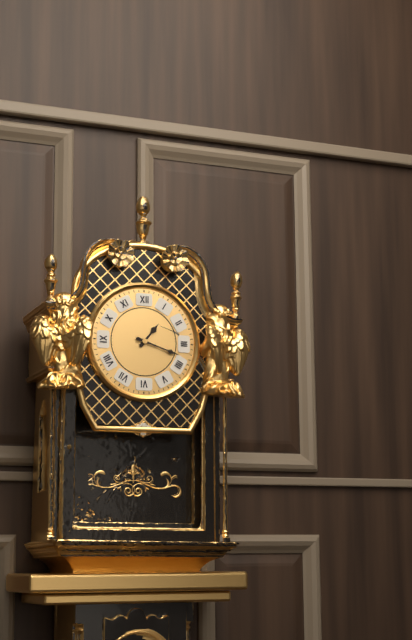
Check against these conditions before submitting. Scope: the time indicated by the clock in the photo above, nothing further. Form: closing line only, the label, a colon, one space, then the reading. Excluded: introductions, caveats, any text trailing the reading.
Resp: 1:18
